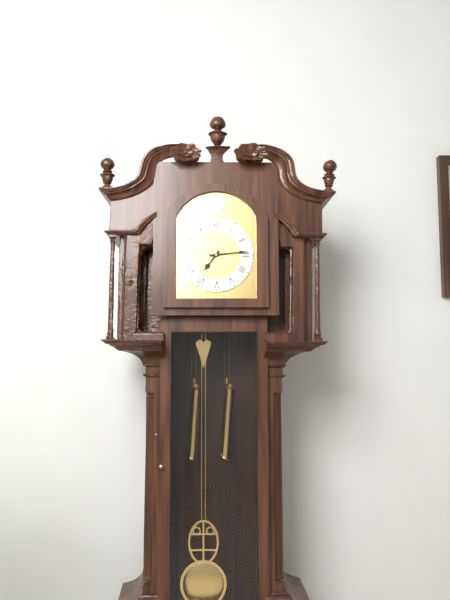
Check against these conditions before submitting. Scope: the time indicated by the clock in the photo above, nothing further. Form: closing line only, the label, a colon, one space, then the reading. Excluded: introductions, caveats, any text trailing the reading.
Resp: 7:14
